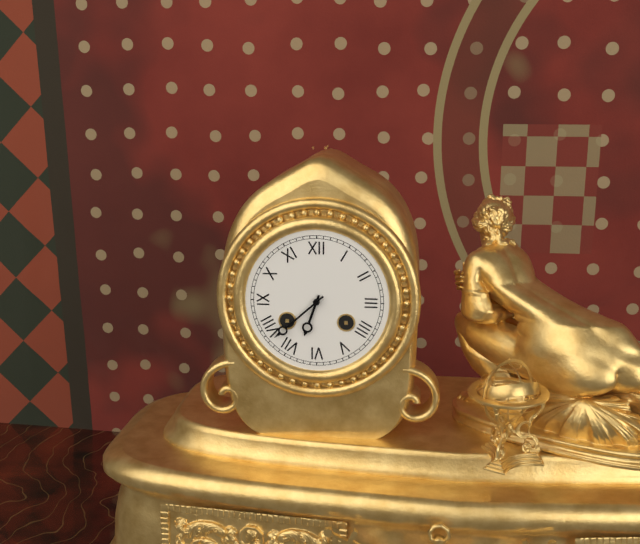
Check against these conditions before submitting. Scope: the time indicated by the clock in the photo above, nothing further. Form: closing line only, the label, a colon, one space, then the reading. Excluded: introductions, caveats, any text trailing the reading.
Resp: 6:38
